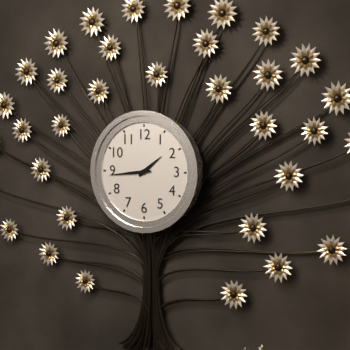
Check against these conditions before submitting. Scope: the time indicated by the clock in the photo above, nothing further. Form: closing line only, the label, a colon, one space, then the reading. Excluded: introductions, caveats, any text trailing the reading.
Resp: 1:44
